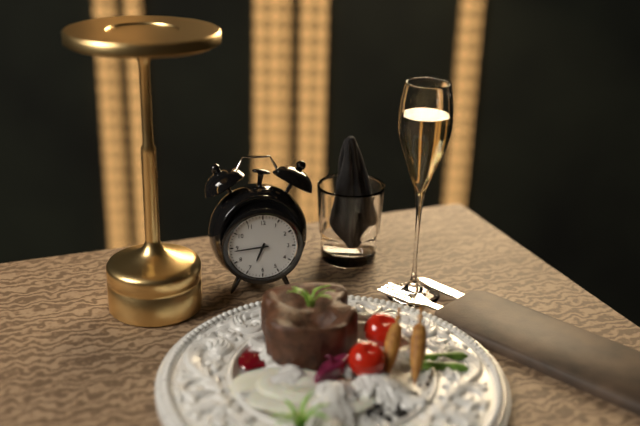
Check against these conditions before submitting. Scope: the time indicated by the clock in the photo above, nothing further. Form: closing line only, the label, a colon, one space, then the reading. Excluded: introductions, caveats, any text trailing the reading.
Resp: 6:44
